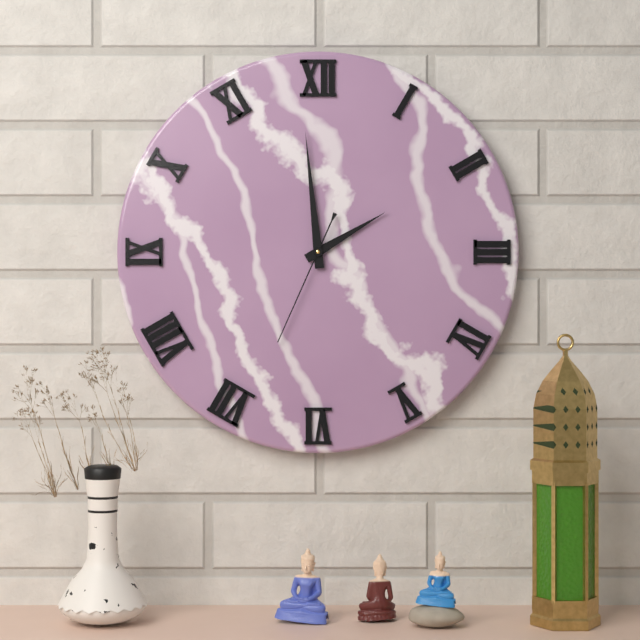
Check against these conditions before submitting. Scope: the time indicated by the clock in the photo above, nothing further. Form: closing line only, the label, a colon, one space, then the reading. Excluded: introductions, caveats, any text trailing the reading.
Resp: 1:59:34
